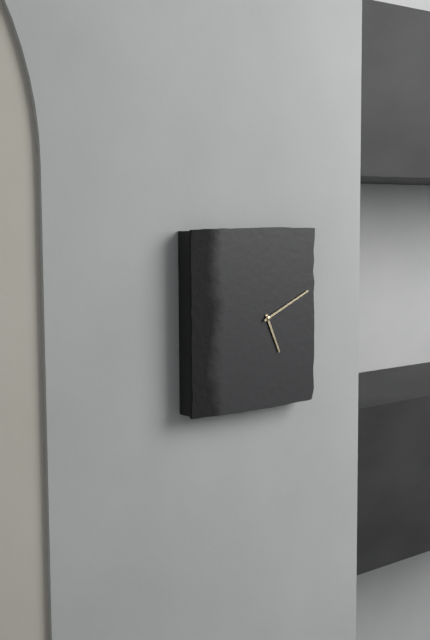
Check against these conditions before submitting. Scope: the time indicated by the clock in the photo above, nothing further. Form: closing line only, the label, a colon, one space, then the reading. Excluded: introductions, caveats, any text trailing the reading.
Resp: 5:11
